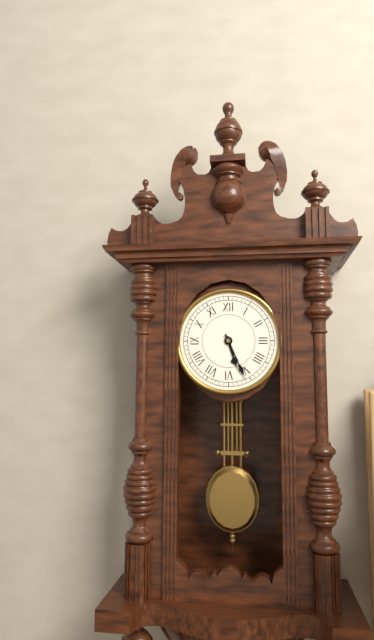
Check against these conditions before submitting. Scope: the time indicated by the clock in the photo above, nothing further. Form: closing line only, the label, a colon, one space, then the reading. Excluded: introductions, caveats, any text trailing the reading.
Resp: 5:26
